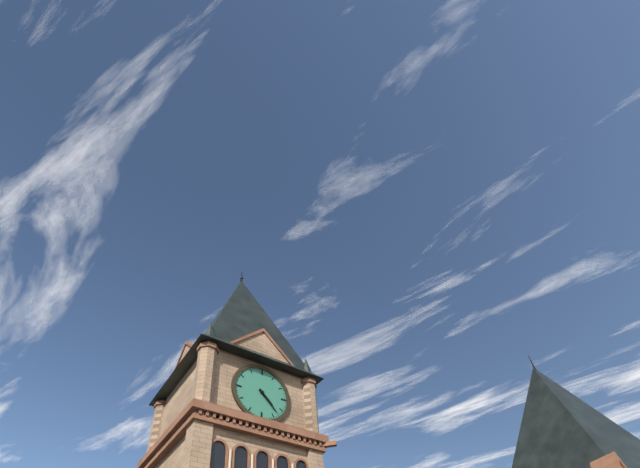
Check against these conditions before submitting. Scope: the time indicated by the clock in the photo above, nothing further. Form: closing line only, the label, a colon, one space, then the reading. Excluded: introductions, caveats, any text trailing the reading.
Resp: 4:23
